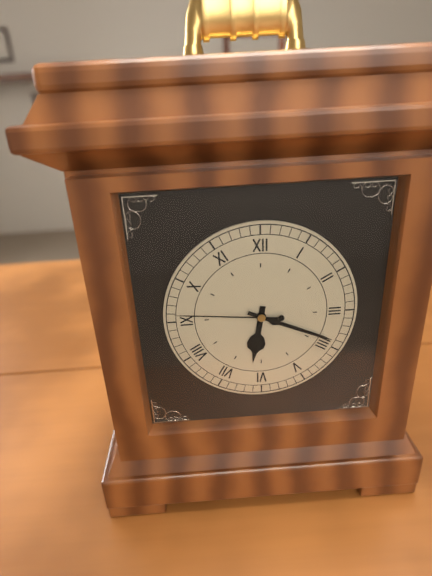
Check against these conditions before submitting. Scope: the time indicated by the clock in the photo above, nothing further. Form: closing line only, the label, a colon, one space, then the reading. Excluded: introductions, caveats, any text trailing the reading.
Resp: 6:19:46
